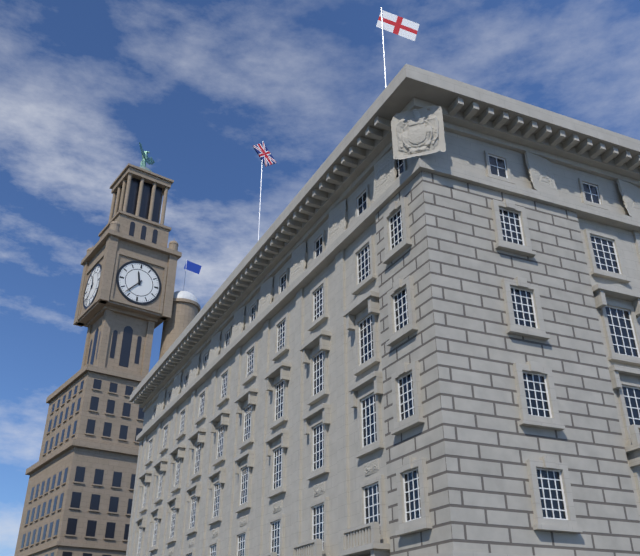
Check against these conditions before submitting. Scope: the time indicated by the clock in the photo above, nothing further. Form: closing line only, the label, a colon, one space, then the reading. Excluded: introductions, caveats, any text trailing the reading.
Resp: 11:37
